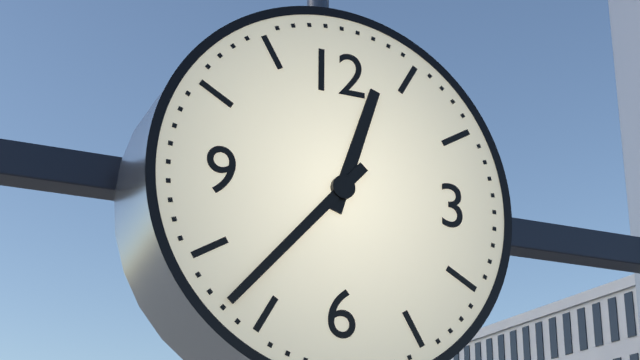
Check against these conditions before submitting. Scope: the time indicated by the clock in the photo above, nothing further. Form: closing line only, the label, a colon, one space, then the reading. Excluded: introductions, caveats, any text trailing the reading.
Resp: 12:37
